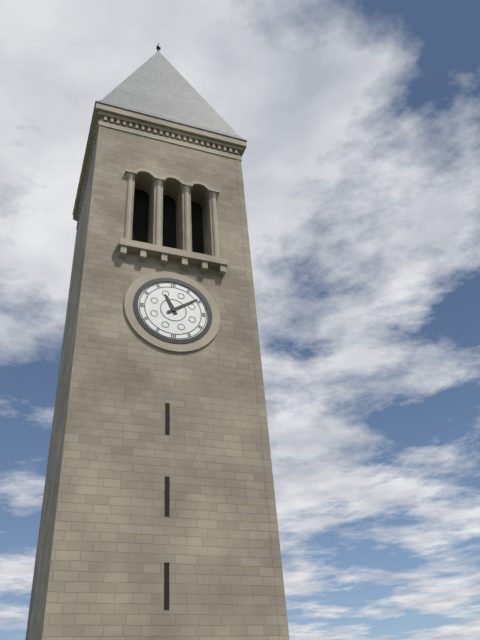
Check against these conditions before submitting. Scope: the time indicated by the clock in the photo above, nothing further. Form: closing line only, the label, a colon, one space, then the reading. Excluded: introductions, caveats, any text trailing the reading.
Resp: 11:09
